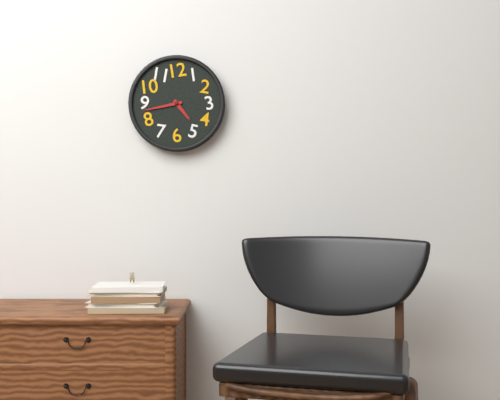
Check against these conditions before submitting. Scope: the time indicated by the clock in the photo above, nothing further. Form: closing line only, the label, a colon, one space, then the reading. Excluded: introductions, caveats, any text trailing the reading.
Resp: 4:43
